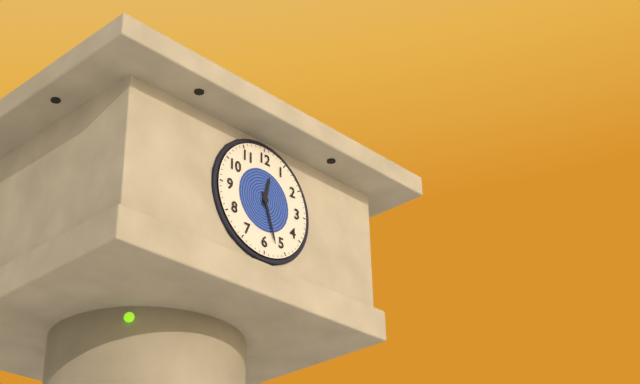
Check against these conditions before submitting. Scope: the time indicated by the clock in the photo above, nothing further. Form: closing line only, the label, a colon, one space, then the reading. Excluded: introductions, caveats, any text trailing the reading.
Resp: 12:27
